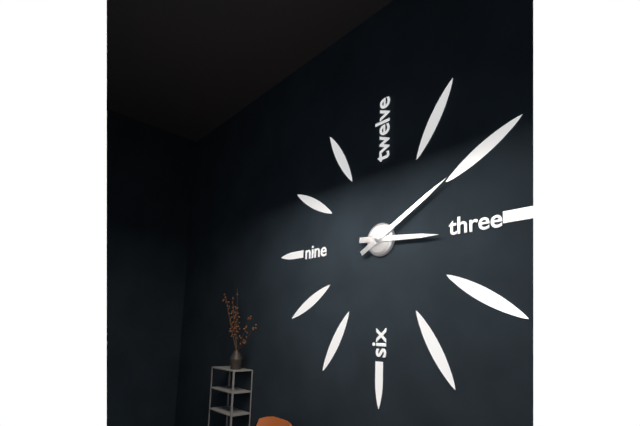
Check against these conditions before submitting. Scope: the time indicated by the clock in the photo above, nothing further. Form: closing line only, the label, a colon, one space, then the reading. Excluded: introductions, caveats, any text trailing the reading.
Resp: 3:10
